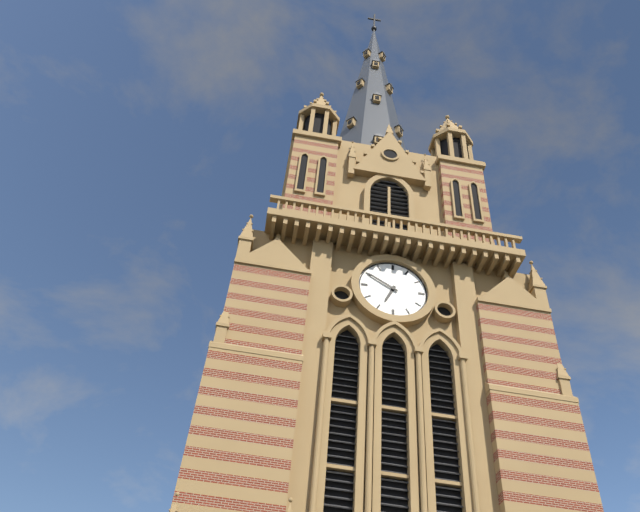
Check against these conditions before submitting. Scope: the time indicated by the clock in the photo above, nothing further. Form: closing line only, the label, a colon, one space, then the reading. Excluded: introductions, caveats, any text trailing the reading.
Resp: 6:50
